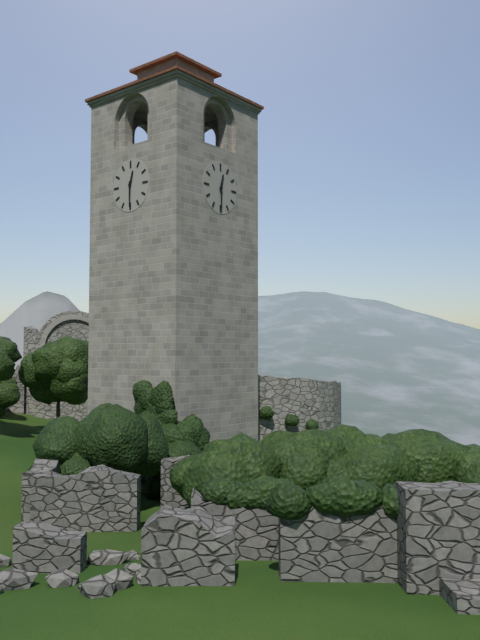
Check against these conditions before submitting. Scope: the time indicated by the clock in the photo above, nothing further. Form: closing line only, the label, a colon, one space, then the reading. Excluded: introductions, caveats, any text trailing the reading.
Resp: 12:30
